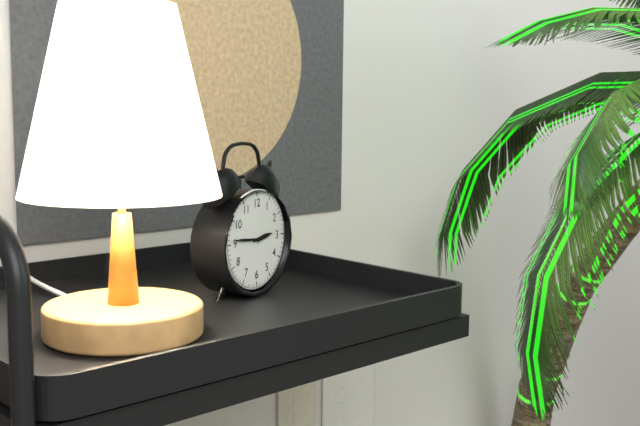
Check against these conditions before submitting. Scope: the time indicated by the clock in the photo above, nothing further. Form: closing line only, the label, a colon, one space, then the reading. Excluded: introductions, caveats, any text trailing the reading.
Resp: 2:46
